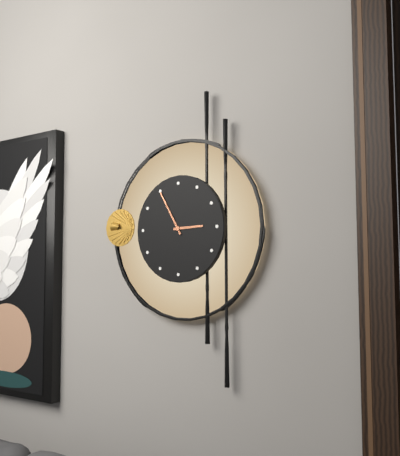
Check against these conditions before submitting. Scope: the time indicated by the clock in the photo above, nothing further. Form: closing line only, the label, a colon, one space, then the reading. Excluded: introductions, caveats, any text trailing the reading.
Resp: 2:55
